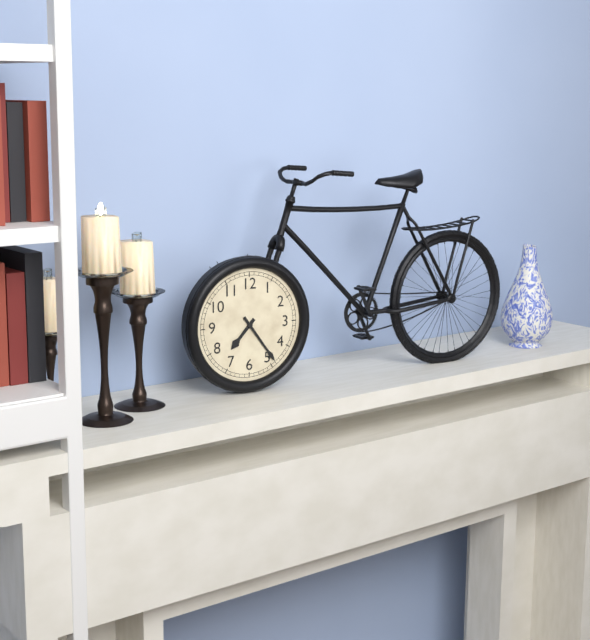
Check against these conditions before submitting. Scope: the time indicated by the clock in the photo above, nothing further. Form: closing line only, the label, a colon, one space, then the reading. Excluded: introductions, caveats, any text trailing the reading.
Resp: 7:24
